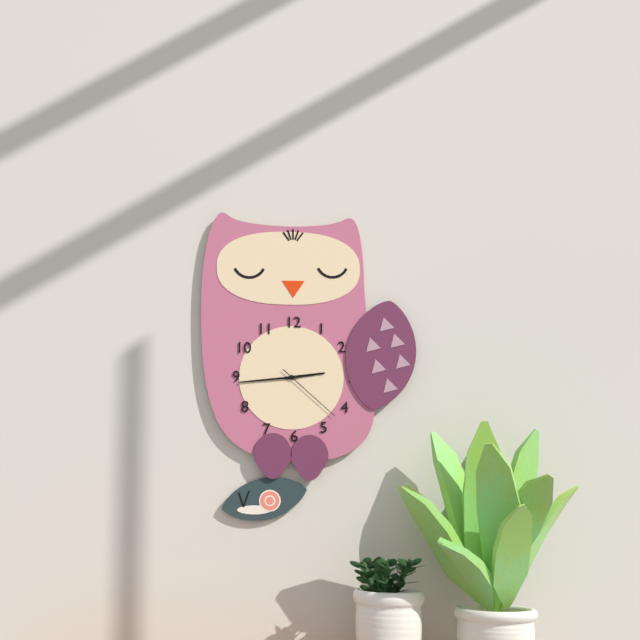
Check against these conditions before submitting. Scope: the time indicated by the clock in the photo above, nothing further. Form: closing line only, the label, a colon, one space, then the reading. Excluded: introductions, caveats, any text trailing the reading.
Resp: 2:44:22
